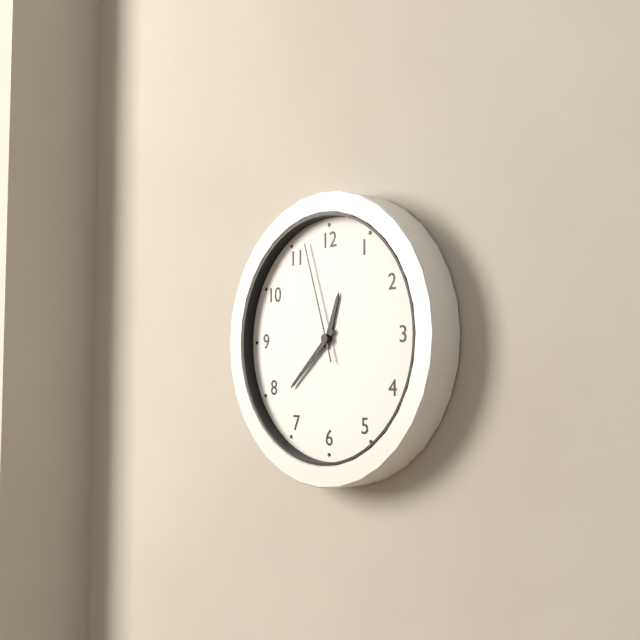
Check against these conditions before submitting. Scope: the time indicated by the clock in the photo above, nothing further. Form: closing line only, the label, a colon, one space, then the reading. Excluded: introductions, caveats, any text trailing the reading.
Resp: 12:38:57
